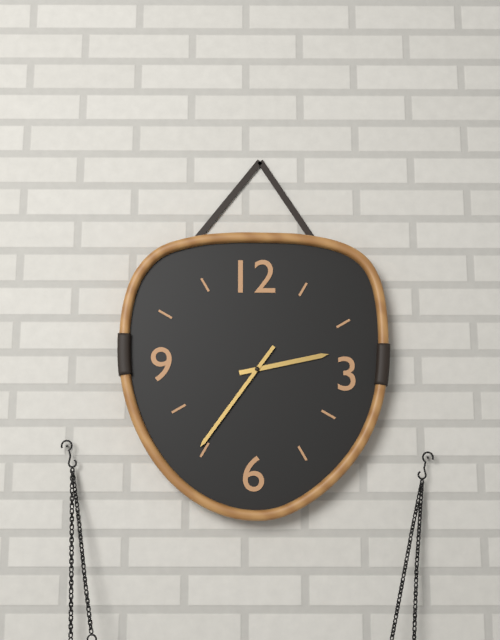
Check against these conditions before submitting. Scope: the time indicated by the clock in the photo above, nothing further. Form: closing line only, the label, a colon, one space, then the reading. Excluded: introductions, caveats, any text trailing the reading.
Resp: 2:36
